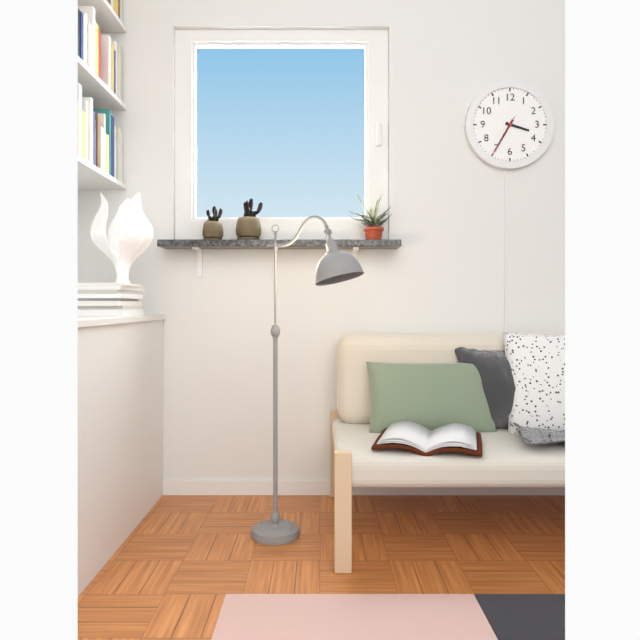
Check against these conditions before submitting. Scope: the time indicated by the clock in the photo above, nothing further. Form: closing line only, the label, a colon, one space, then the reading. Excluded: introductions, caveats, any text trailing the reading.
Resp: 3:35
